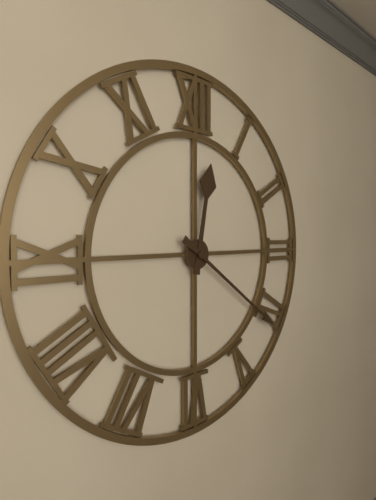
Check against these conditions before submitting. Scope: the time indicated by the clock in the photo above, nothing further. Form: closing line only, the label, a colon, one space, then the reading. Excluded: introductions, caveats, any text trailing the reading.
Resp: 12:21
